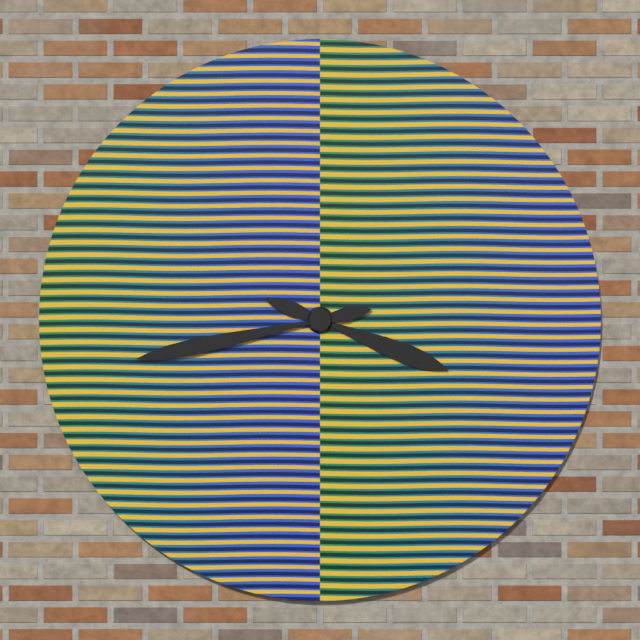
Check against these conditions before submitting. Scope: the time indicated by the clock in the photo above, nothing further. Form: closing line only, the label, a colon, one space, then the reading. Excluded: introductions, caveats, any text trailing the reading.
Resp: 3:43
